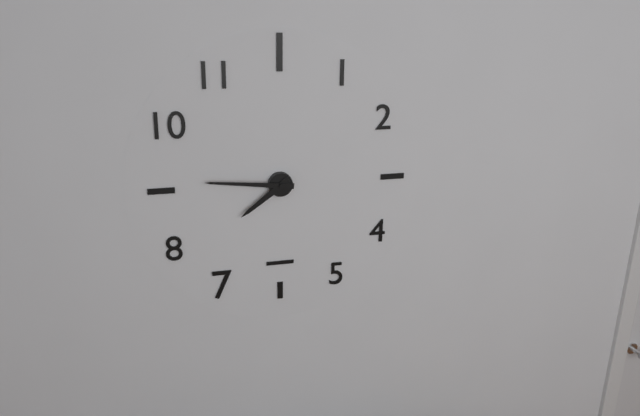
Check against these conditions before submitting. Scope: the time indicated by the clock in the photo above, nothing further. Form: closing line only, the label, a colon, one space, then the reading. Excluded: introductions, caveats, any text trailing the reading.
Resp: 7:46
